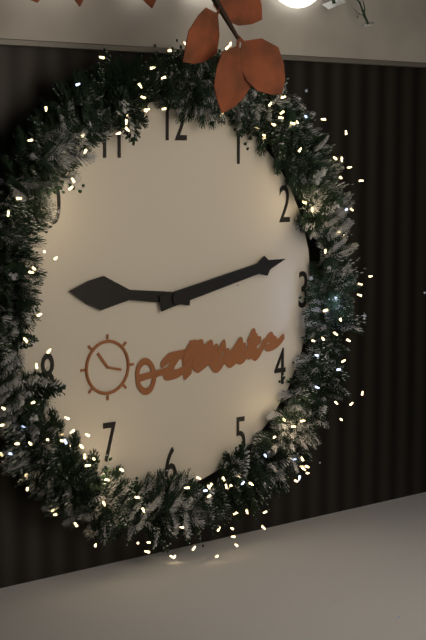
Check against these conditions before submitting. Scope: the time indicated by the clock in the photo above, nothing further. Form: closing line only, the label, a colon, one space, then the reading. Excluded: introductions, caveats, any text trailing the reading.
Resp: 9:13
